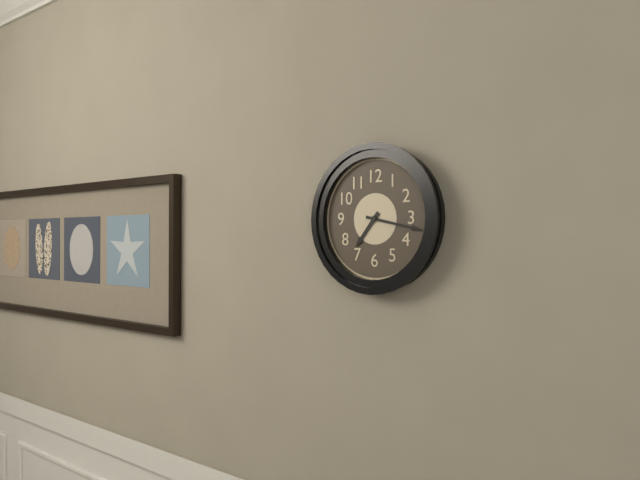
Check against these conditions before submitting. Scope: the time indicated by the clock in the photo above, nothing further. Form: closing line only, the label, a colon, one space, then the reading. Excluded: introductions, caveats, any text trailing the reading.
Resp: 7:17
